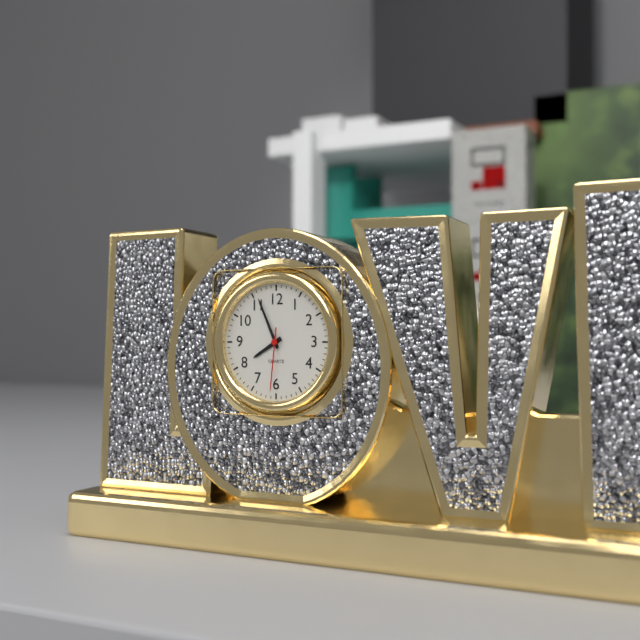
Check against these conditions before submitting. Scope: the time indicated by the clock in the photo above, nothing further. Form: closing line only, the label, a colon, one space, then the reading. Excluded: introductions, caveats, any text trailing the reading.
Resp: 7:56:31
